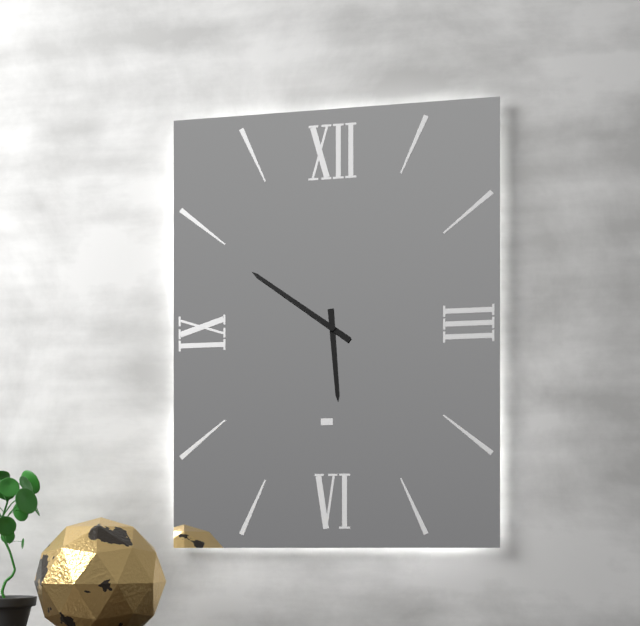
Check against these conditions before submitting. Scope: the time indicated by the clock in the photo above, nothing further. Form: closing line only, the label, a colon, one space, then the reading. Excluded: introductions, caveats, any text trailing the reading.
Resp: 5:51
